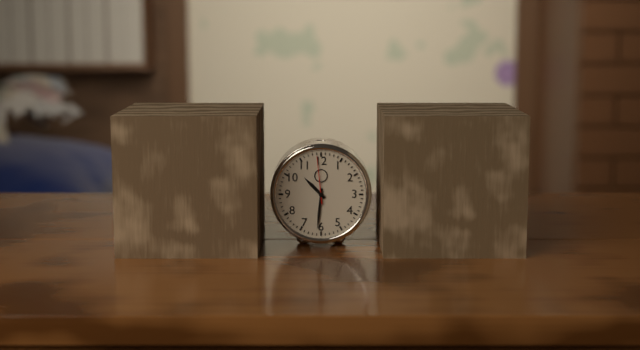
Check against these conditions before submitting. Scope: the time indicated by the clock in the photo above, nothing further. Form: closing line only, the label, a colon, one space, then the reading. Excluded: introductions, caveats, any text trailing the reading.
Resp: 10:31
